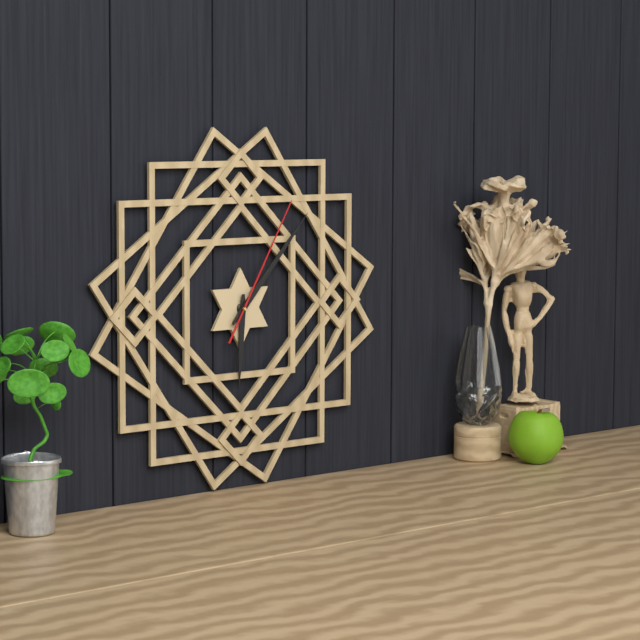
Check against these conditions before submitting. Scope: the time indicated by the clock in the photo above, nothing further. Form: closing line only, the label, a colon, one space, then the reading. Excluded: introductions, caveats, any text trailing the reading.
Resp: 6:07:05
